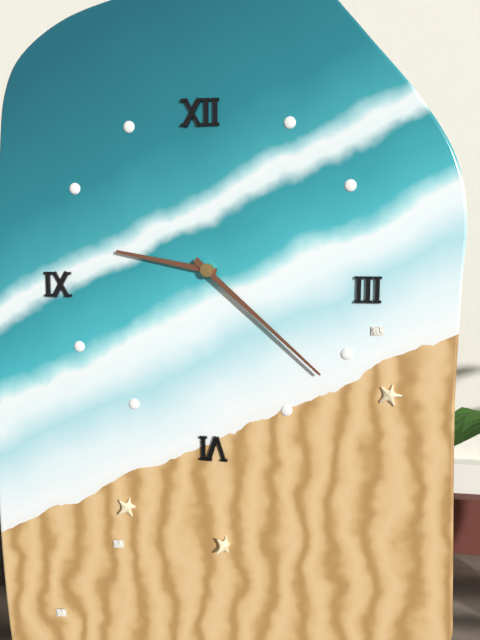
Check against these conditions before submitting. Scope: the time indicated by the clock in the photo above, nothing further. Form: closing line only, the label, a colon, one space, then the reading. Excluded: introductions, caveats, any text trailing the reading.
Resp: 9:22
